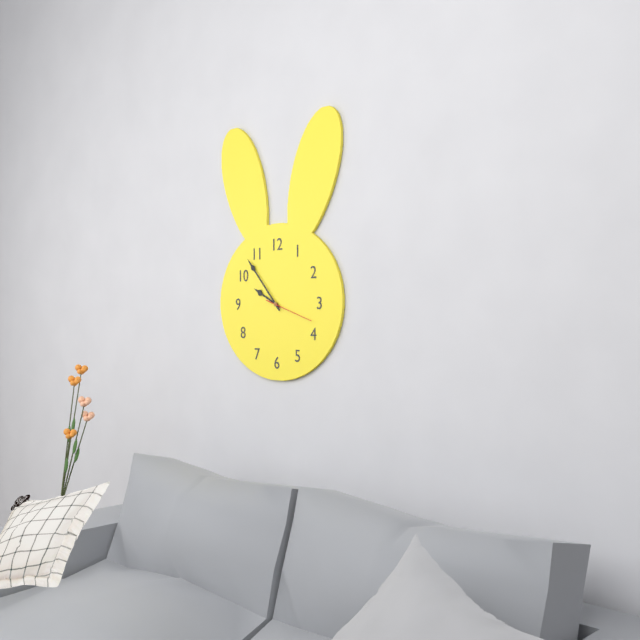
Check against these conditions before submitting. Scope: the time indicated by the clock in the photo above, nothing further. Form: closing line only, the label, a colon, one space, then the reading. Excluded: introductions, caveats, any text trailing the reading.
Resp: 9:53
